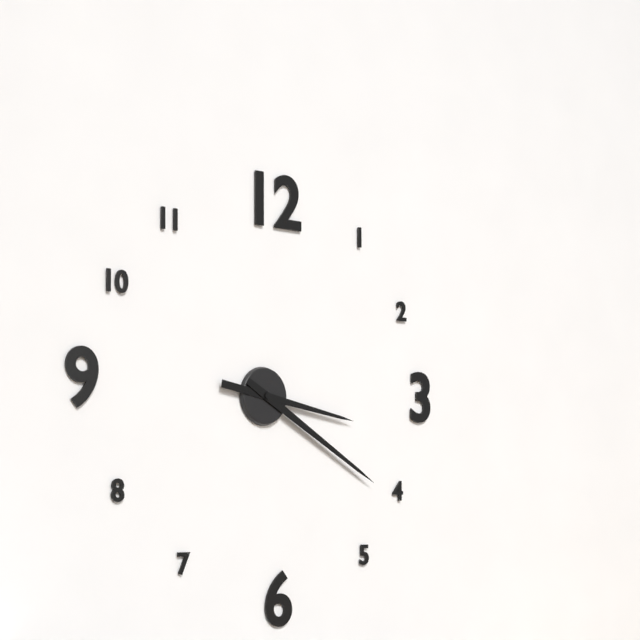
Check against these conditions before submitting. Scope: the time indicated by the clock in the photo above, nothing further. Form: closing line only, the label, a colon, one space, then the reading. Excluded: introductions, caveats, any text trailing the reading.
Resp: 3:20
